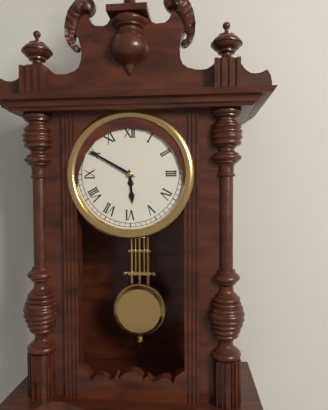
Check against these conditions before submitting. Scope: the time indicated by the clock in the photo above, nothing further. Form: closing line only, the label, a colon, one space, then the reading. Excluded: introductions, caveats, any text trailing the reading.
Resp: 5:50
